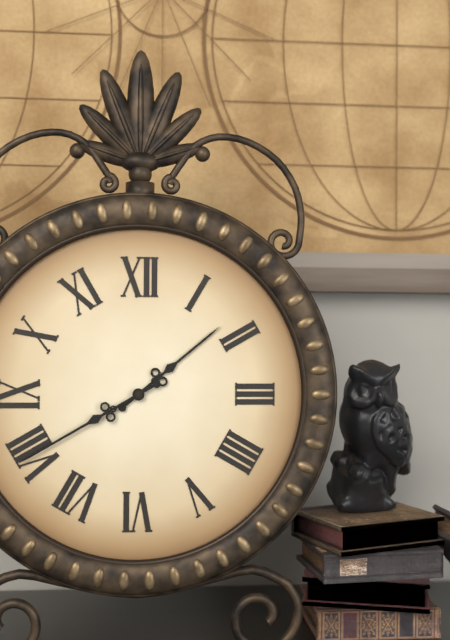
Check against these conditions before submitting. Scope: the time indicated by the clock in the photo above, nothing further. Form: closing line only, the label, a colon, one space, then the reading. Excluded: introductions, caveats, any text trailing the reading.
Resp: 1:40
